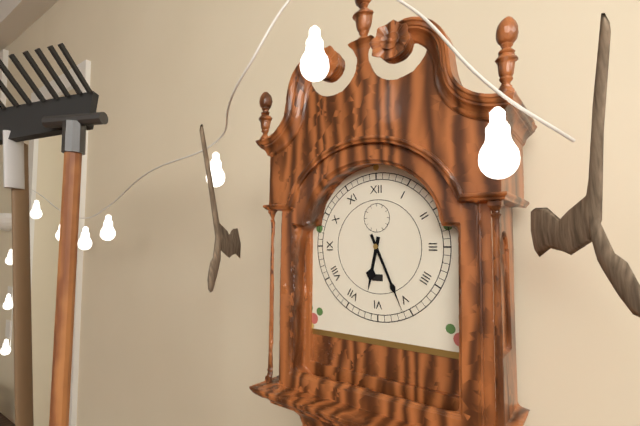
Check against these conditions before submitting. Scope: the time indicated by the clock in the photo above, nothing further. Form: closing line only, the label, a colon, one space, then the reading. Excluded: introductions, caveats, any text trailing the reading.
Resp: 6:26
